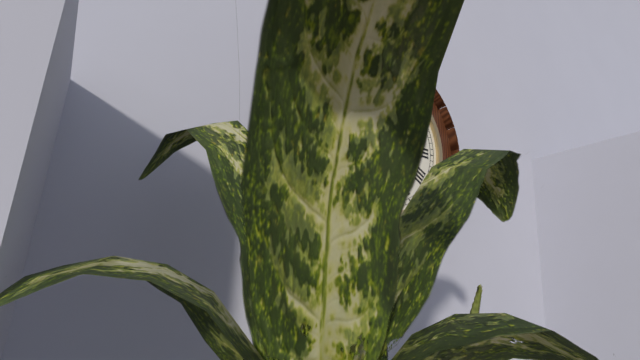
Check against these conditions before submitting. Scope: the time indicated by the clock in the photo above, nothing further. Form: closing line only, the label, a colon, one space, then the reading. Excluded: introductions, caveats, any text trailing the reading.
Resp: 11:27
